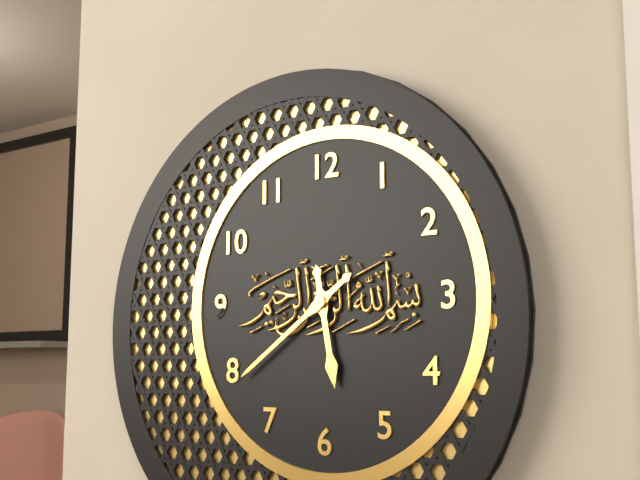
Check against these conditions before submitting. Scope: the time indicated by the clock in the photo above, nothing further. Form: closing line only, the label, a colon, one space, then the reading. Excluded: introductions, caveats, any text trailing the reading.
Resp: 5:39
